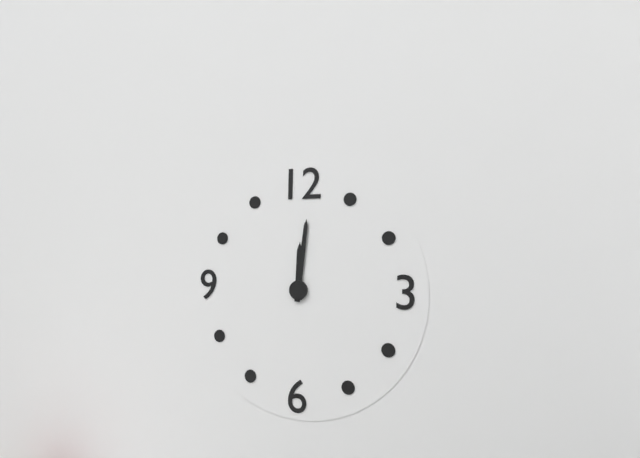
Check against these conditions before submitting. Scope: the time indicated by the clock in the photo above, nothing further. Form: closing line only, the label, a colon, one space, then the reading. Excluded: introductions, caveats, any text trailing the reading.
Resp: 12:01
